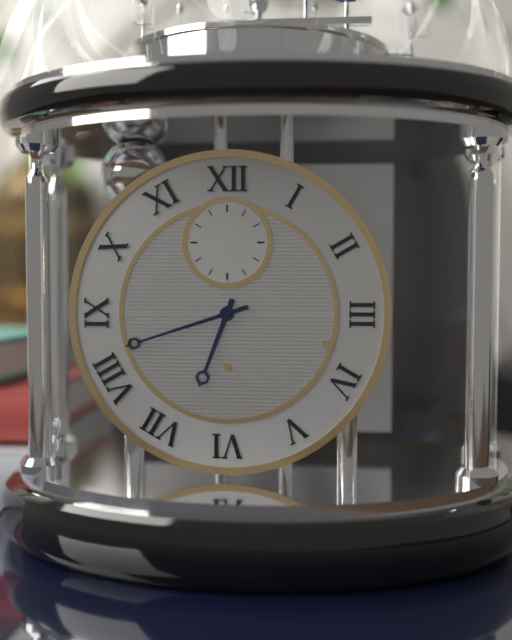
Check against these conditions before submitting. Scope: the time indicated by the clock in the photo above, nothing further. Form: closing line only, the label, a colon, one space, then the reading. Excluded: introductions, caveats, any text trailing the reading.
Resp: 6:42
